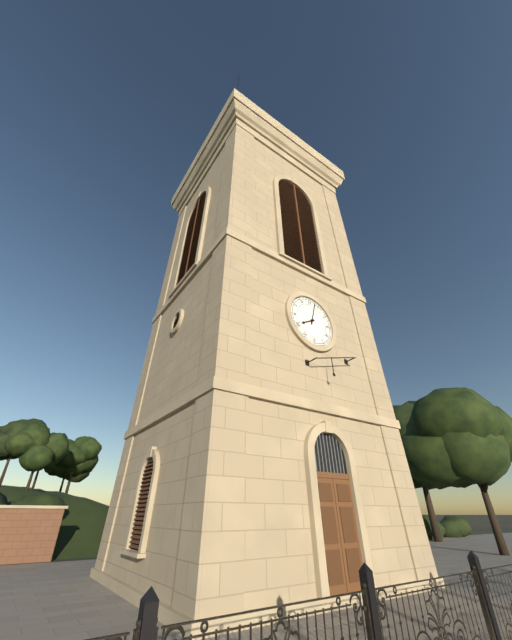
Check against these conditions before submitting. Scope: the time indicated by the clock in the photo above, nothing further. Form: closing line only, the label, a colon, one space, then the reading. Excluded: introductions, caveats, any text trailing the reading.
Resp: 8:03
